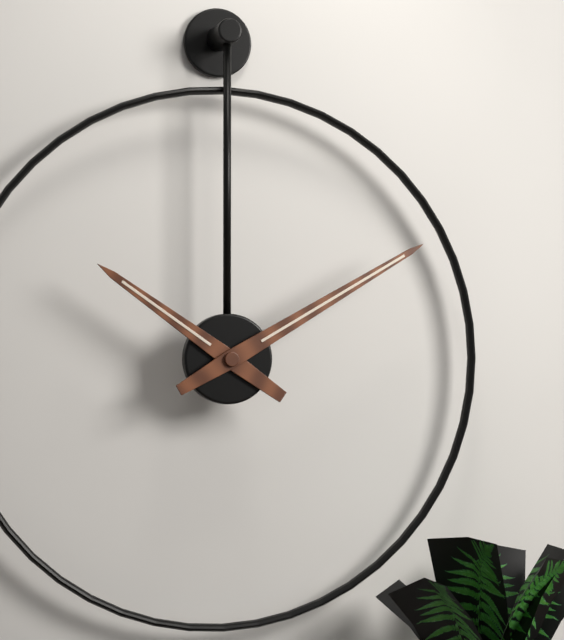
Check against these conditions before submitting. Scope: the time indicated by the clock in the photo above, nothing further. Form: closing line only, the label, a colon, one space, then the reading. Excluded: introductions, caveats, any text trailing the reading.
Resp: 10:10
